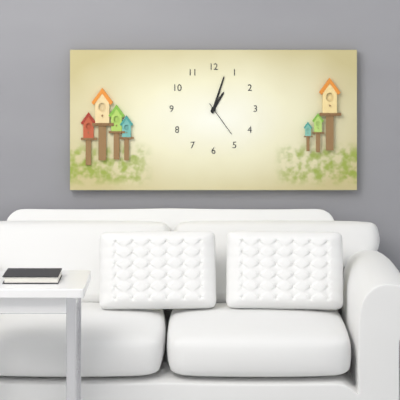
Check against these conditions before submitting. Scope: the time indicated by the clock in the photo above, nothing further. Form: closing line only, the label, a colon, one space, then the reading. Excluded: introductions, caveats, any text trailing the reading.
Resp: 1:03
